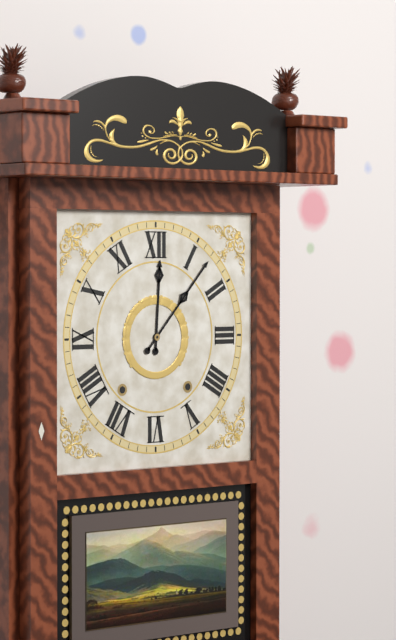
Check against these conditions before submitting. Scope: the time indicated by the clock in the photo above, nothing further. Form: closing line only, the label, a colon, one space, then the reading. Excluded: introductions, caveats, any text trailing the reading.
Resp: 12:07
